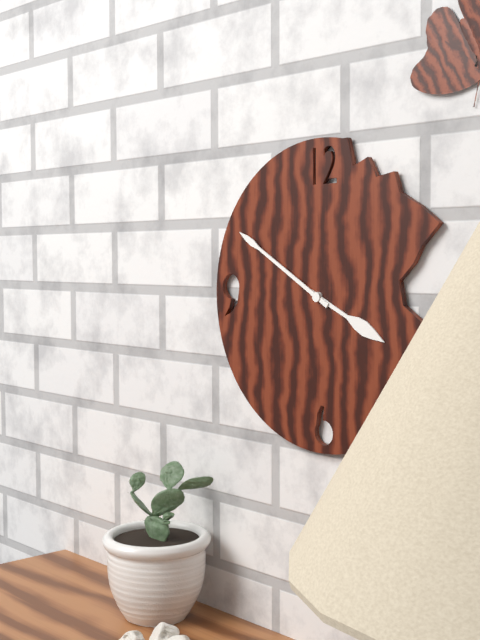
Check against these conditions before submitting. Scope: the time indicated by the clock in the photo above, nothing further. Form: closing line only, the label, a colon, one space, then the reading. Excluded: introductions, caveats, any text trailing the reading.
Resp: 3:50
